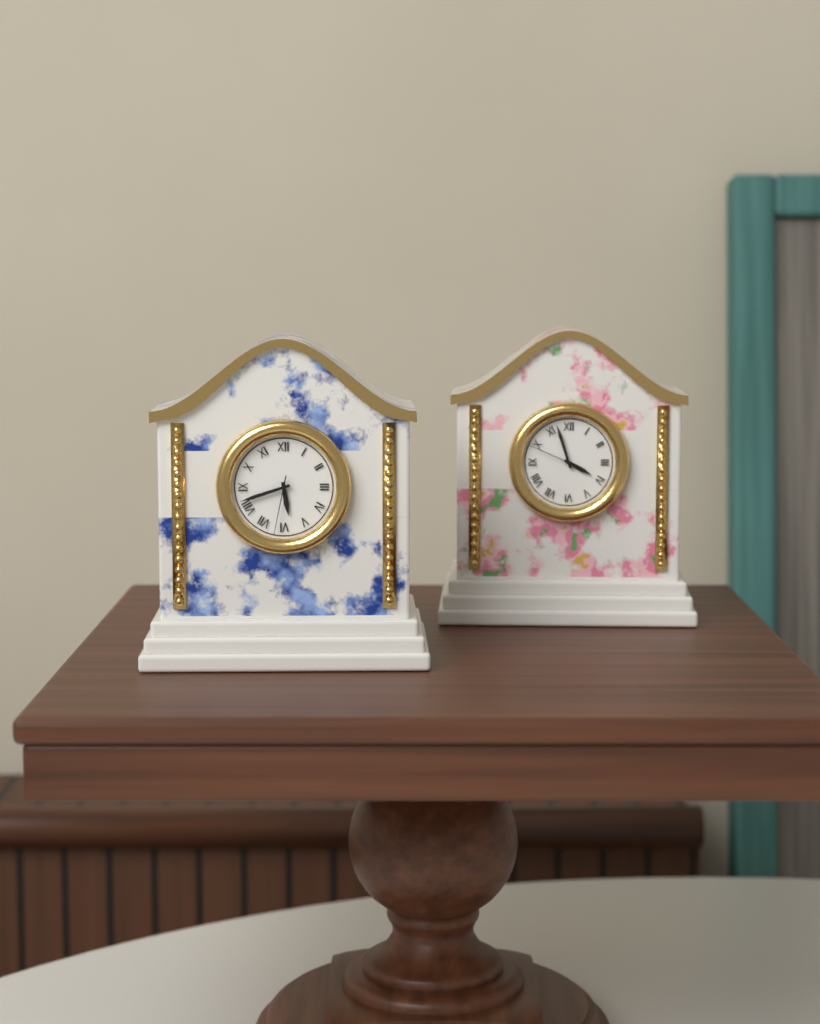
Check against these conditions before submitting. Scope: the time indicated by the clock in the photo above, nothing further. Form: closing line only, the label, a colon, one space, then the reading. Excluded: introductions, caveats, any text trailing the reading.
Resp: 5:42:32
